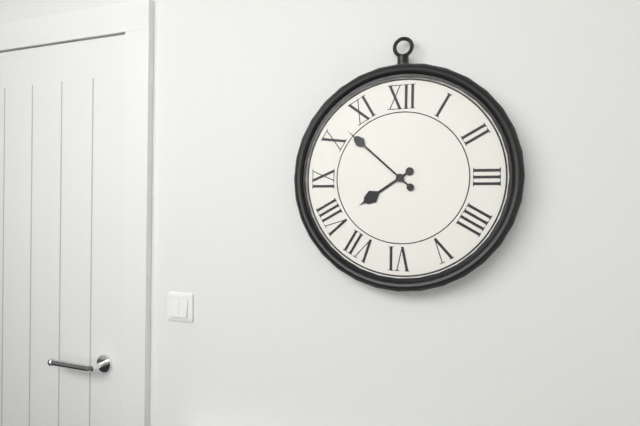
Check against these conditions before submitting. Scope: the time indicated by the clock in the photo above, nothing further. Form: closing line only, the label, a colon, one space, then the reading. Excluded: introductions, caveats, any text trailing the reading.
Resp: 7:52
